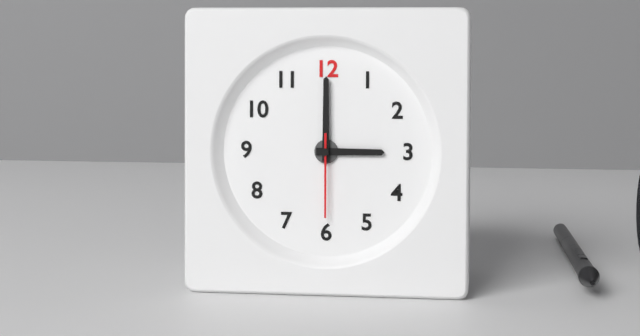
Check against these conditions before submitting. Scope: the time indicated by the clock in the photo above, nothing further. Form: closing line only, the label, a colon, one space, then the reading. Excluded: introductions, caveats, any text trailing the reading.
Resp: 3:00:30
